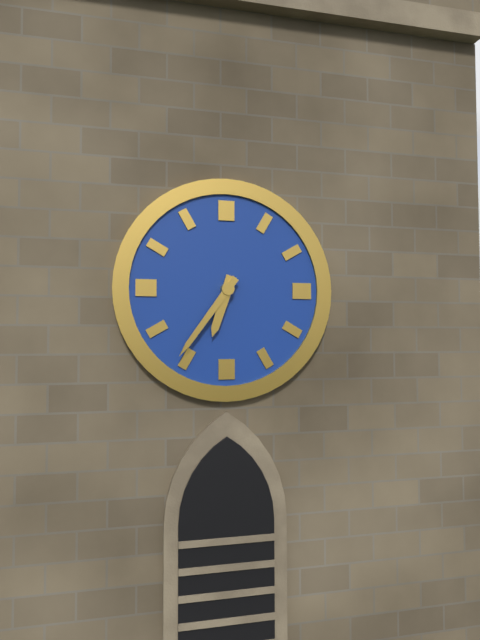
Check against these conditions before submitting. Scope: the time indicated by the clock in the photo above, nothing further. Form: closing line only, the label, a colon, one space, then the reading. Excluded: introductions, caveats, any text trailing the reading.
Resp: 6:36
